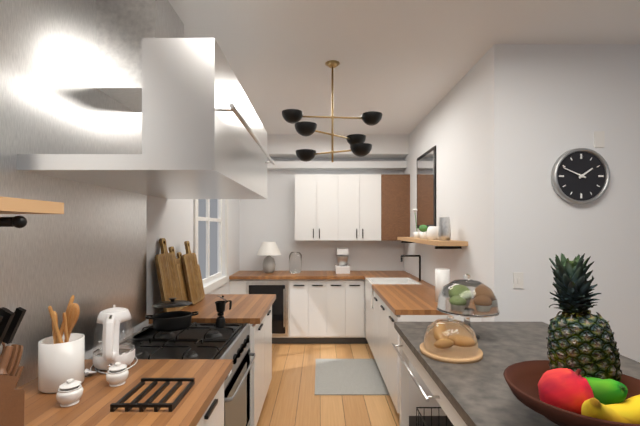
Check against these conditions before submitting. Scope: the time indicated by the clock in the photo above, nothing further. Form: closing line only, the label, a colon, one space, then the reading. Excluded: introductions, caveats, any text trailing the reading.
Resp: 1:49
